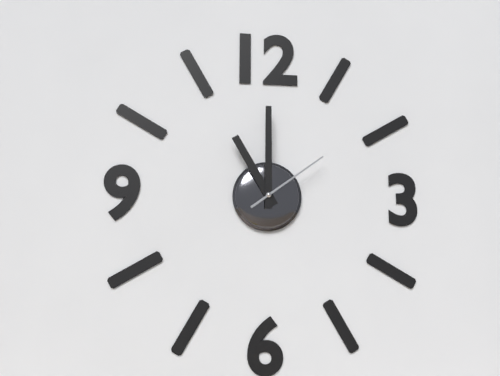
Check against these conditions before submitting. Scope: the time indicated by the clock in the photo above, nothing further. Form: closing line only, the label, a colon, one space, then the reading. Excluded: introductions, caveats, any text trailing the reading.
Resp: 11:00:09
